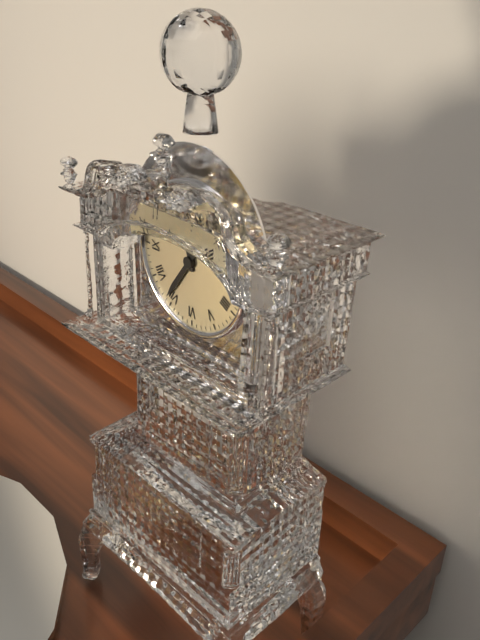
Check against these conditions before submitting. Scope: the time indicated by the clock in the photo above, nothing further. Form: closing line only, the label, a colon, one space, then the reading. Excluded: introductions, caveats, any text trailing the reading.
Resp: 11:36
